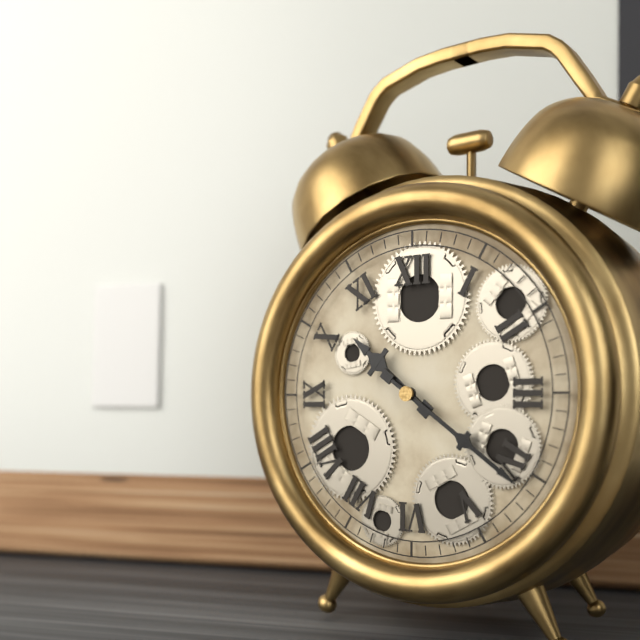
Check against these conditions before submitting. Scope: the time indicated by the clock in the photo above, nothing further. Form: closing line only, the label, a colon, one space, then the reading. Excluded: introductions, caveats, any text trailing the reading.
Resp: 10:21
